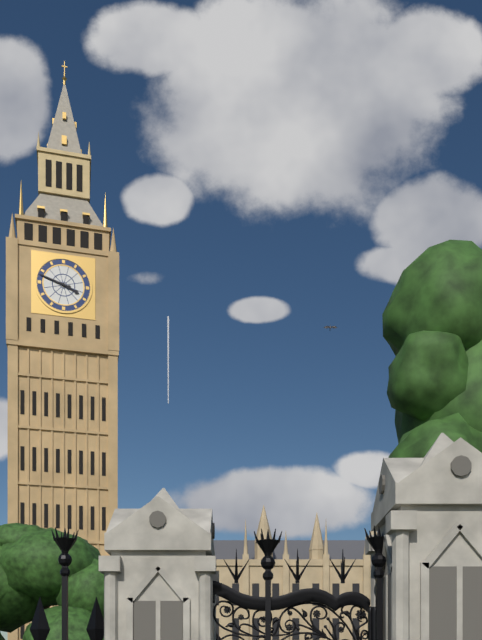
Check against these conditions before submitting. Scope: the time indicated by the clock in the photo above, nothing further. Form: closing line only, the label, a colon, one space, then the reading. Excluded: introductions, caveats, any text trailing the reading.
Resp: 3:48
